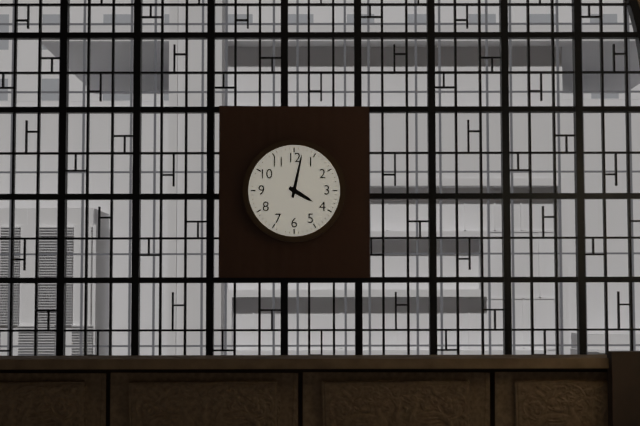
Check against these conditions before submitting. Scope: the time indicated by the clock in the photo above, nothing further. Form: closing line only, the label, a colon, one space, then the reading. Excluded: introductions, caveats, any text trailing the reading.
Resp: 4:02
